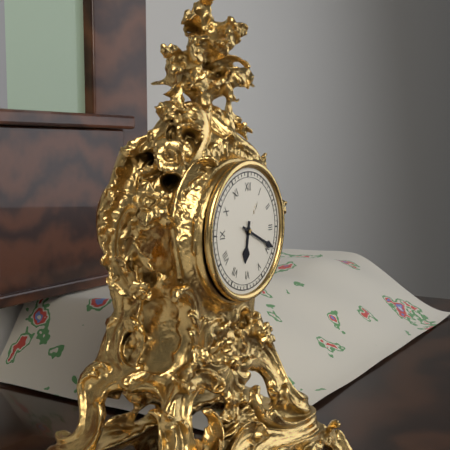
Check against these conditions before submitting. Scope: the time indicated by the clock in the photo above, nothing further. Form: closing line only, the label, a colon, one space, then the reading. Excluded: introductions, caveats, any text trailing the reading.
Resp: 6:19
